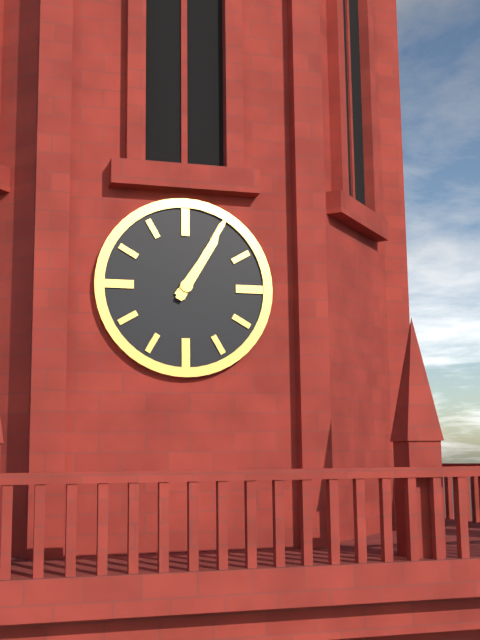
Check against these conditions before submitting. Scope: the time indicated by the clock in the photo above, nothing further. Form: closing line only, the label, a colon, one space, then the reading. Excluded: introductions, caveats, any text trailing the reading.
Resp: 1:05
